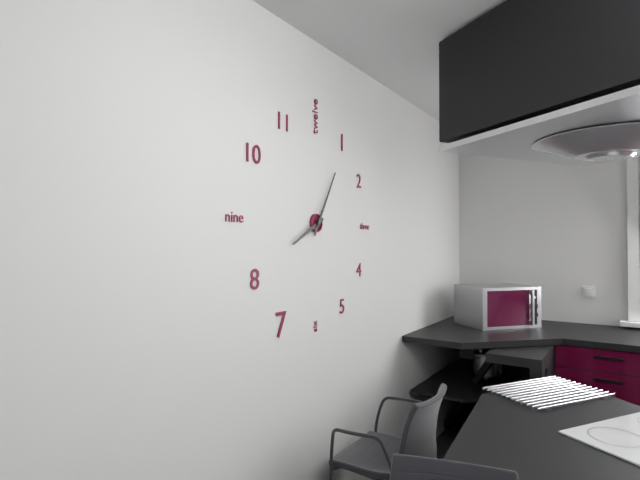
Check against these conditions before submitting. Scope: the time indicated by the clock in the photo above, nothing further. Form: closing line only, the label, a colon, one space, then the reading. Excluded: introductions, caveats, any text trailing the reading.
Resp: 8:05
